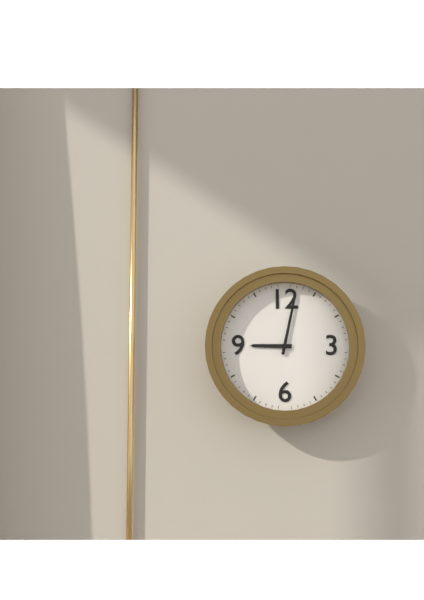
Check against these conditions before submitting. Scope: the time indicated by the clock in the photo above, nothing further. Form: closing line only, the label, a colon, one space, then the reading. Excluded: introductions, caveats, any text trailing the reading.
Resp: 9:02
